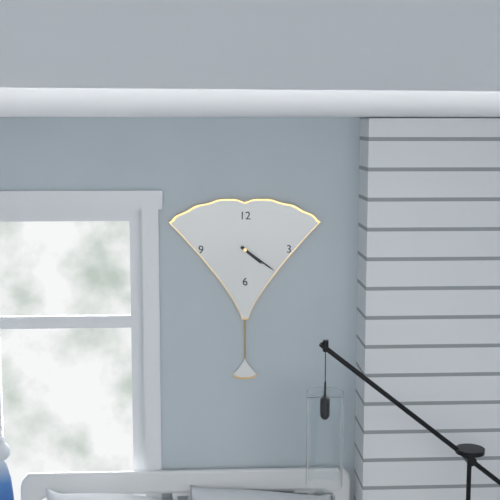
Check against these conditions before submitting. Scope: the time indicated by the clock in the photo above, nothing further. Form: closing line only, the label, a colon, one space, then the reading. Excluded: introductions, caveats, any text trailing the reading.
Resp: 4:21
